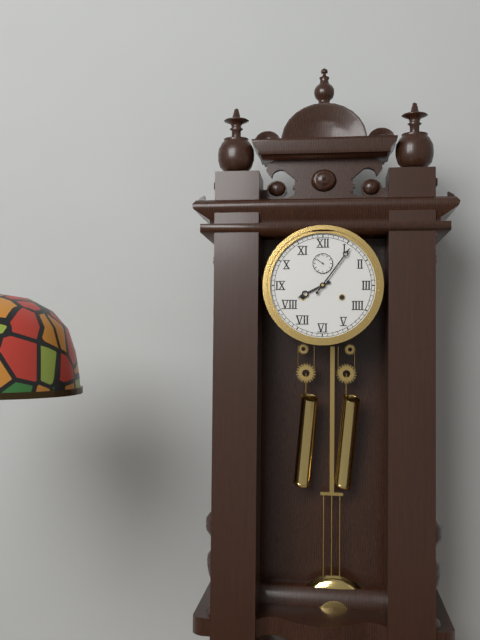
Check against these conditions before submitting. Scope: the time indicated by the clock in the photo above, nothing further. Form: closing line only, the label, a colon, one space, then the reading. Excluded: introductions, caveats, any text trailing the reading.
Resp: 8:06
